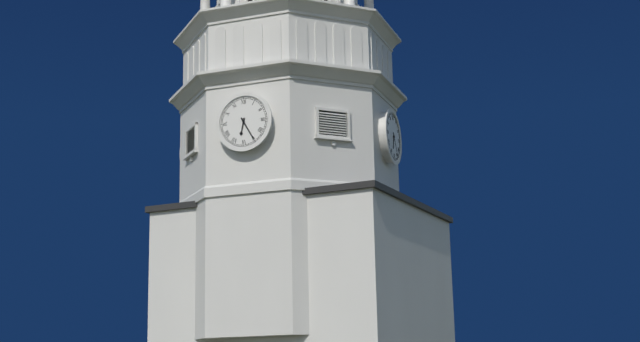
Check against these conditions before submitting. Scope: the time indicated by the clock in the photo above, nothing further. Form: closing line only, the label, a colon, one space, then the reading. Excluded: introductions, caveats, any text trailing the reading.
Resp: 6:25
